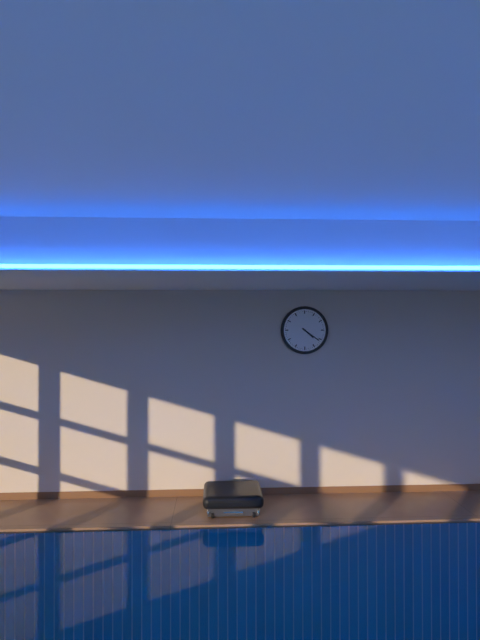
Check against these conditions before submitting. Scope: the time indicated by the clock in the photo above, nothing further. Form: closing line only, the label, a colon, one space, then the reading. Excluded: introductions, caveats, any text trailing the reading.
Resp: 4:21
